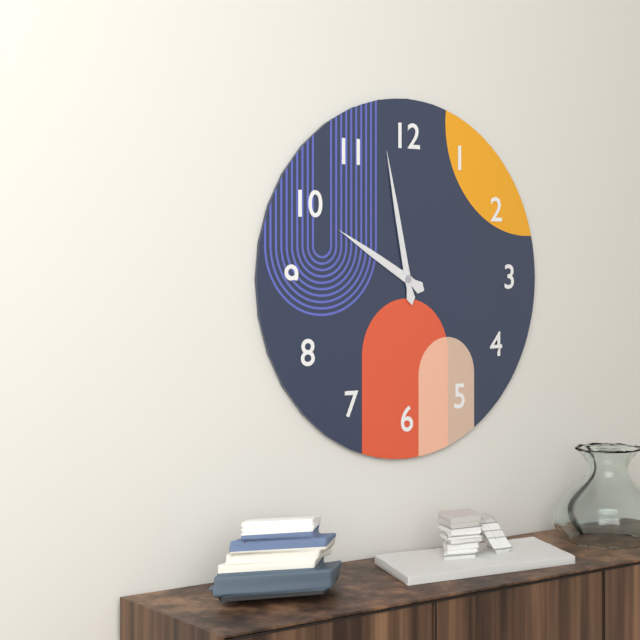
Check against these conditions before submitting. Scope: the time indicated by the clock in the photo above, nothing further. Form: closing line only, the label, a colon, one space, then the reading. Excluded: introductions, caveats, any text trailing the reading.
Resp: 9:58
